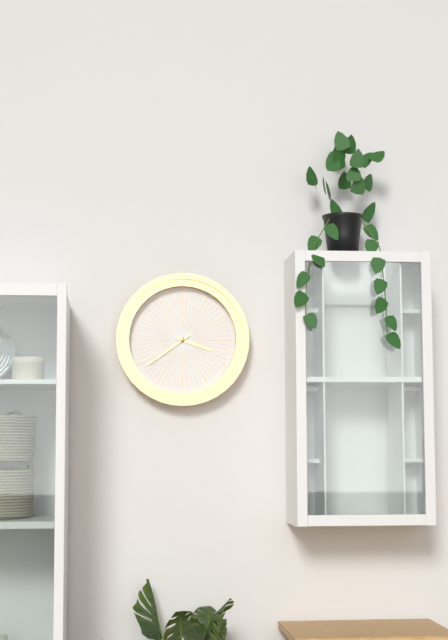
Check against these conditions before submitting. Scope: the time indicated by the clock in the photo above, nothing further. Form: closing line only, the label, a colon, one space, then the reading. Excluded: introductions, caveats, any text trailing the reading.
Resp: 3:39
